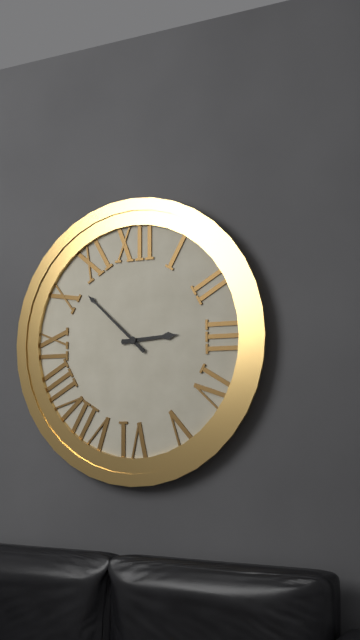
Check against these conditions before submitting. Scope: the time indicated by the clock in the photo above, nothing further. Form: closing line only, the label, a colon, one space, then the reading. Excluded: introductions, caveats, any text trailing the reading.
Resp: 2:52
